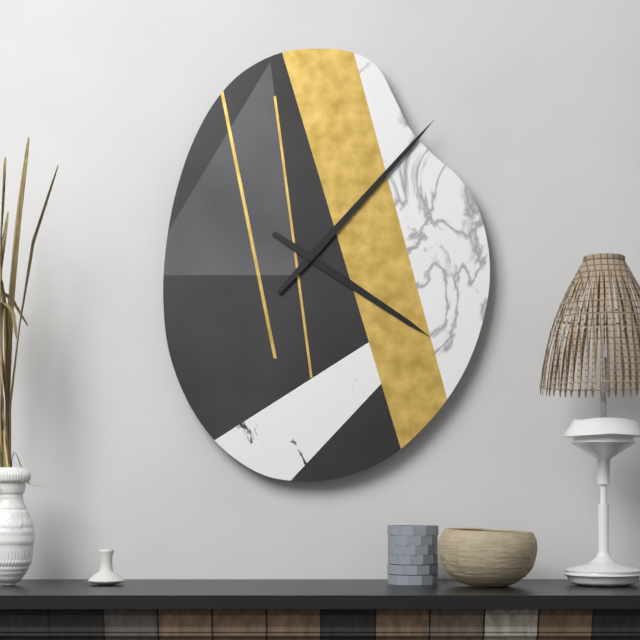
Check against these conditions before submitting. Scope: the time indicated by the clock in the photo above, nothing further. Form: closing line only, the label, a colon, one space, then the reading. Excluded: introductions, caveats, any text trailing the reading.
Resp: 4:07
